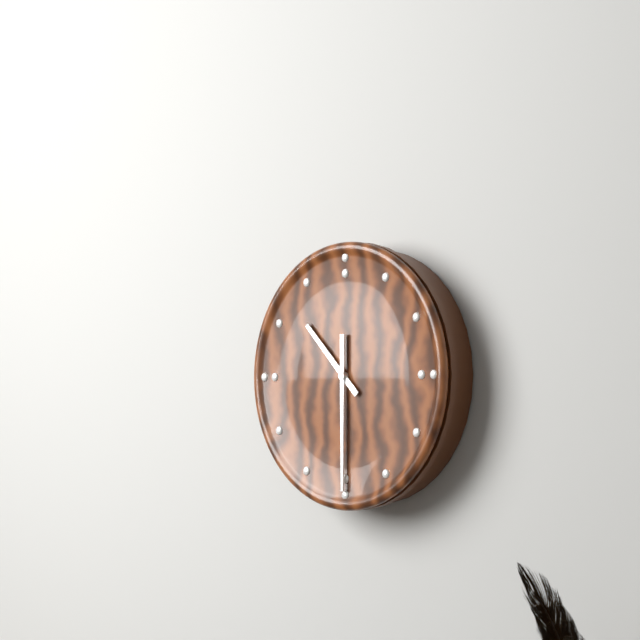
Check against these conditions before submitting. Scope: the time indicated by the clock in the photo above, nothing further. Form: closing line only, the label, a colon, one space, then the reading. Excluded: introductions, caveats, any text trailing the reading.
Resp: 10:30
